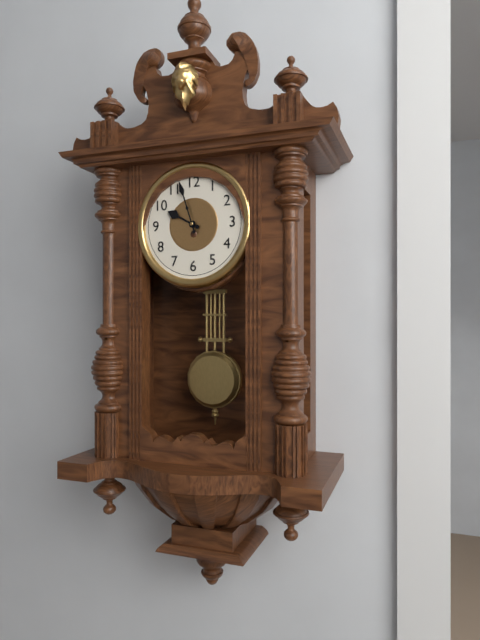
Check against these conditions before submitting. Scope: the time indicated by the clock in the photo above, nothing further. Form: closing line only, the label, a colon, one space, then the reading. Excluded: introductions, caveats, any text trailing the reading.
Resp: 9:57
